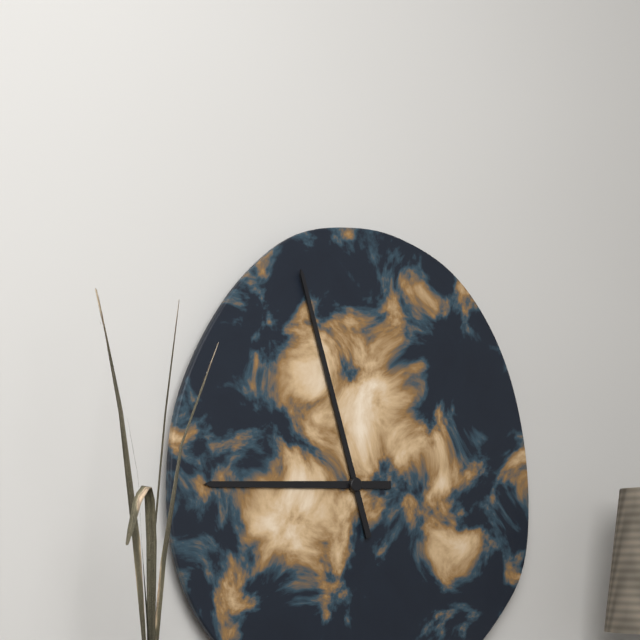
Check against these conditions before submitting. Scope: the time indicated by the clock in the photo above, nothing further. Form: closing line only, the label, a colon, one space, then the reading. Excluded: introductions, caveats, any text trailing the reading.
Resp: 8:57
